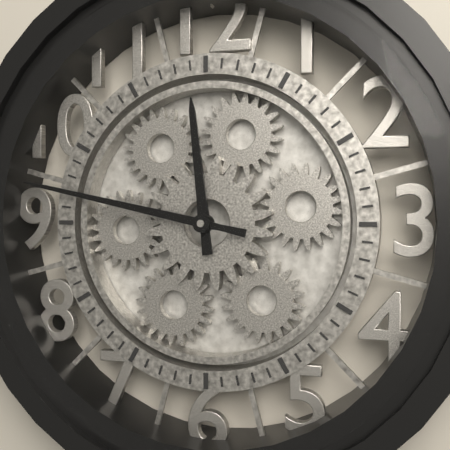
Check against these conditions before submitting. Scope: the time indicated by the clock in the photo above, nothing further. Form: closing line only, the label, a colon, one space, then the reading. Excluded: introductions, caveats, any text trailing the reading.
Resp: 11:47
